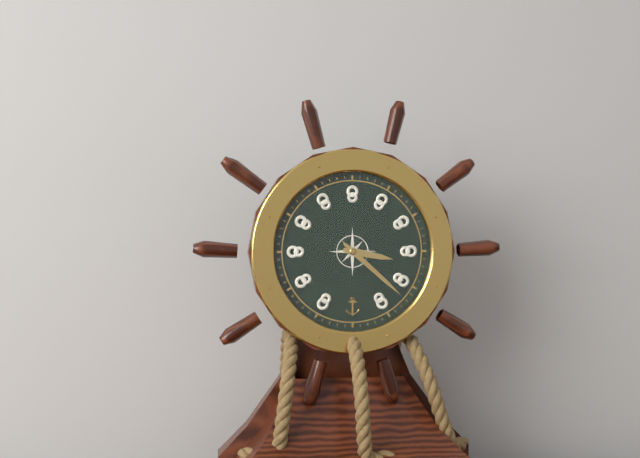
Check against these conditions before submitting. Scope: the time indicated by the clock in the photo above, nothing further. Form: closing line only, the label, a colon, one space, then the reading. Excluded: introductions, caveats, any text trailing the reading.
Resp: 3:22
